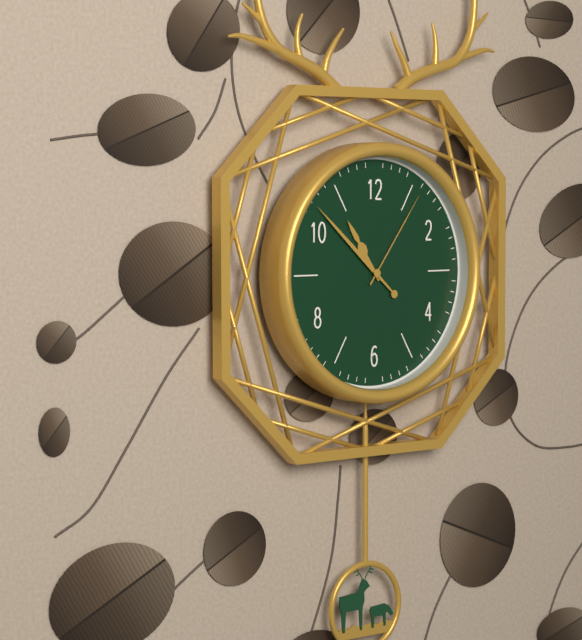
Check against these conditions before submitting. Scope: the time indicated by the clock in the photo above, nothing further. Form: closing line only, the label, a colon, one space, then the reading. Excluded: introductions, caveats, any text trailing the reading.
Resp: 10:52:06
